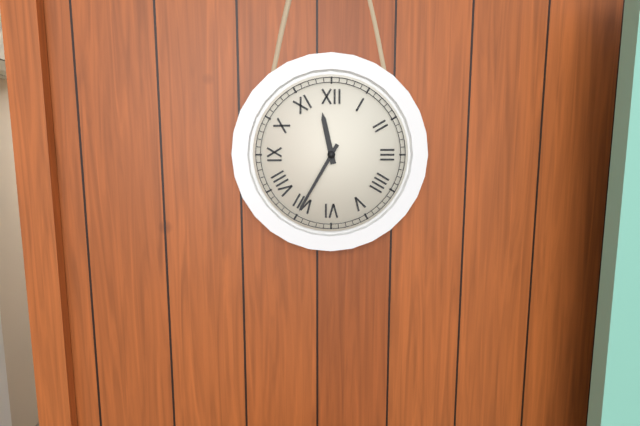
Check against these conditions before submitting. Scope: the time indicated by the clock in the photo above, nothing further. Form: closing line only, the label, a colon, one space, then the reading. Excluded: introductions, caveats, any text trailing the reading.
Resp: 11:35
